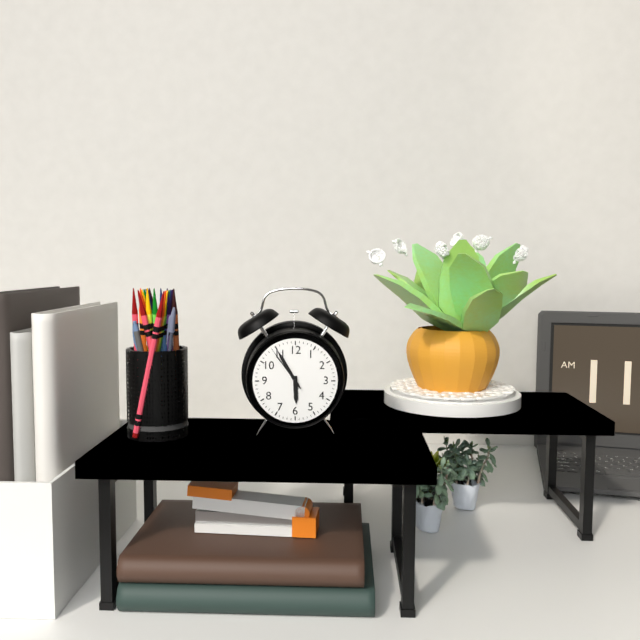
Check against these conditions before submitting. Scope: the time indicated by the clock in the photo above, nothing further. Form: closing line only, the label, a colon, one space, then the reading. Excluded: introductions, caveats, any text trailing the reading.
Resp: 5:55
